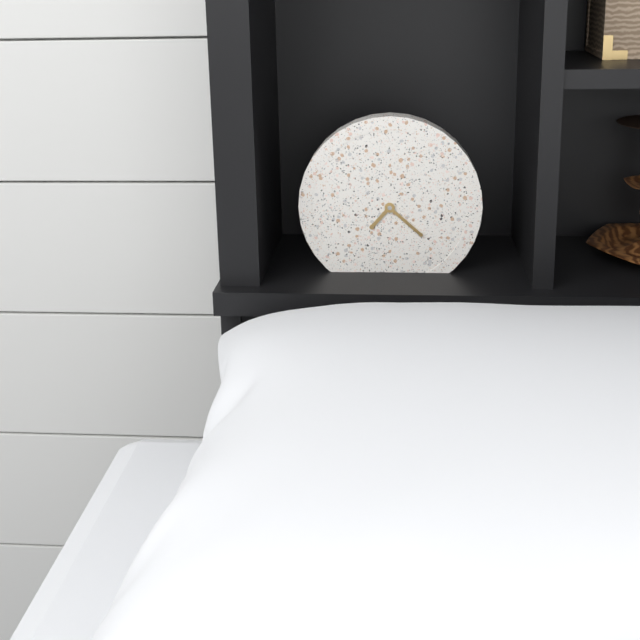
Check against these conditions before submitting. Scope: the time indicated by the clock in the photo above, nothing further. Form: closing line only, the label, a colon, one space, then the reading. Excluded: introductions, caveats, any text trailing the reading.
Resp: 7:22
